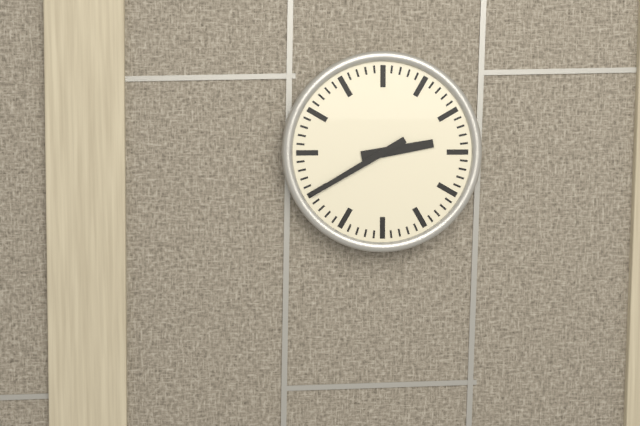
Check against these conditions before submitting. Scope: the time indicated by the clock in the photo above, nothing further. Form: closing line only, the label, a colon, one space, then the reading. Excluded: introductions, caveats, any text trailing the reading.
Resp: 2:40
